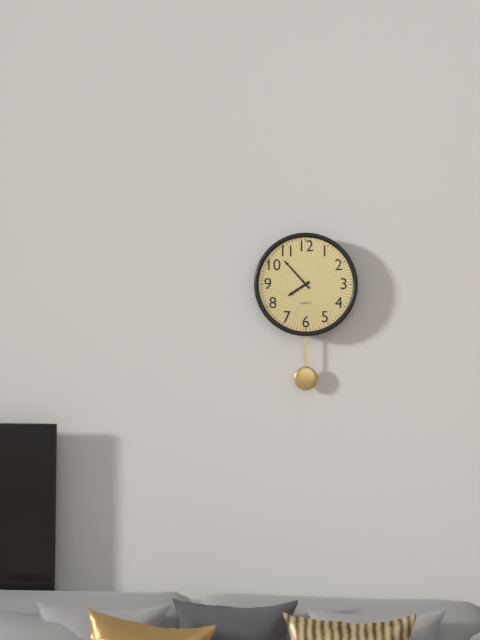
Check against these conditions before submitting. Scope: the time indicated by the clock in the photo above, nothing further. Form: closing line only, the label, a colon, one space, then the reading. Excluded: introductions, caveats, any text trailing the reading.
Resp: 7:53
